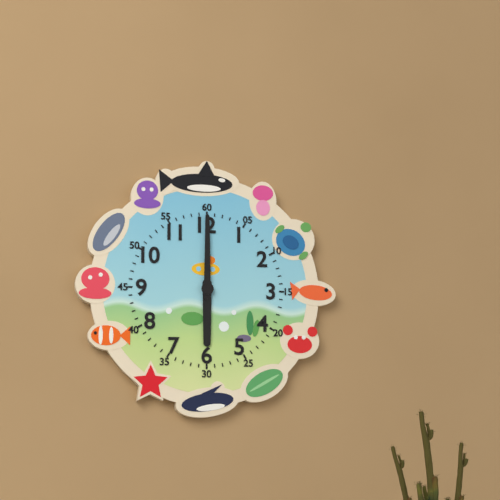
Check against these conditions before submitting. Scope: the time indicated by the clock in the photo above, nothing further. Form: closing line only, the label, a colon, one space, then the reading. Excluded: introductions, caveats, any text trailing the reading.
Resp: 6:00
